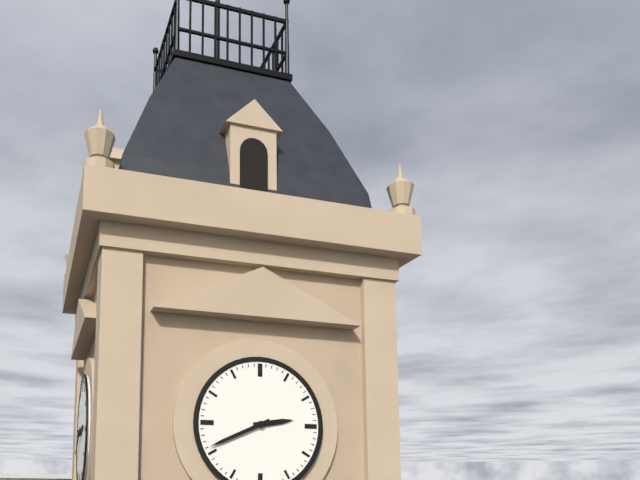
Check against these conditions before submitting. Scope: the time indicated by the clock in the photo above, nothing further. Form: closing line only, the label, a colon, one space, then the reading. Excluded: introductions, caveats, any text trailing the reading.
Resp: 2:41
